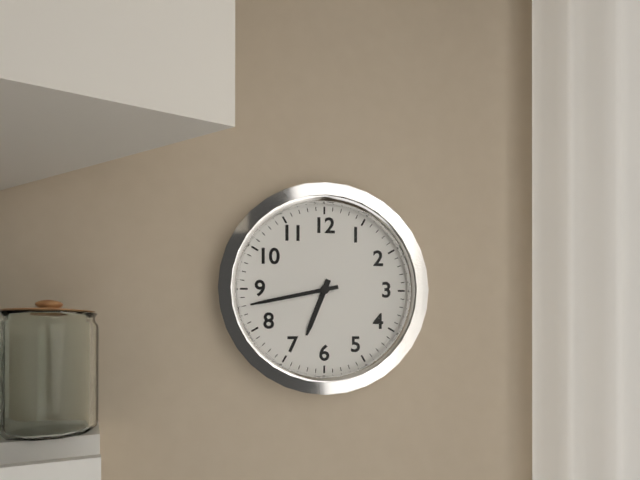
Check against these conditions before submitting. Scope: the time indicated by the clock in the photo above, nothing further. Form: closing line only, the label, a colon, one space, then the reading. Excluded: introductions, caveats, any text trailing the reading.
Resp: 6:43
